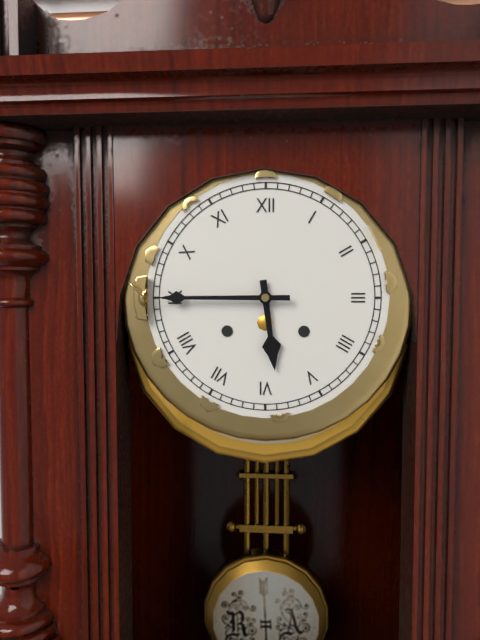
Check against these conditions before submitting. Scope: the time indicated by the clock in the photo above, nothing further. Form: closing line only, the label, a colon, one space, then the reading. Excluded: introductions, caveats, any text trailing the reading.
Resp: 5:45
